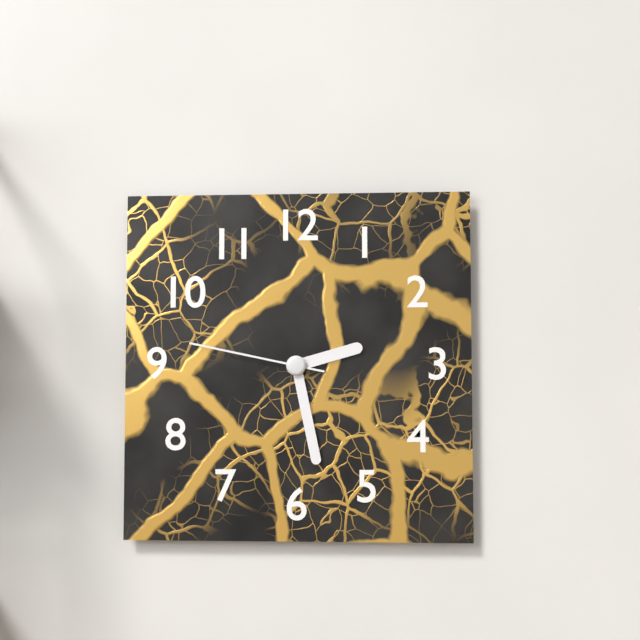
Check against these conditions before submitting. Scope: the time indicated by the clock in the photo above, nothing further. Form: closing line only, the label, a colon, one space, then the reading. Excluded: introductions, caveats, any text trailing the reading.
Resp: 2:28:47
